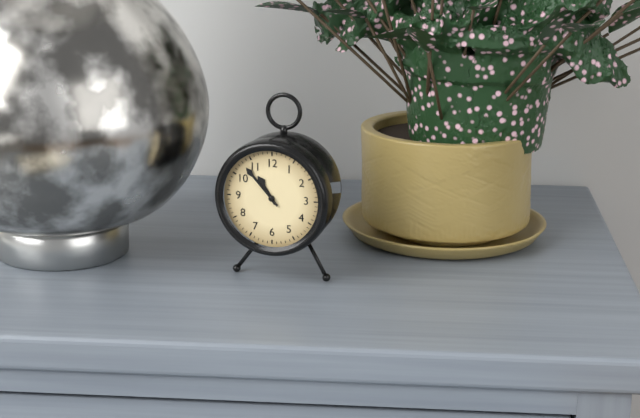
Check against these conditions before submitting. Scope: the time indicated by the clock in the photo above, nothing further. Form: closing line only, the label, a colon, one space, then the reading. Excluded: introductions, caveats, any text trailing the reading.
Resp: 10:53
